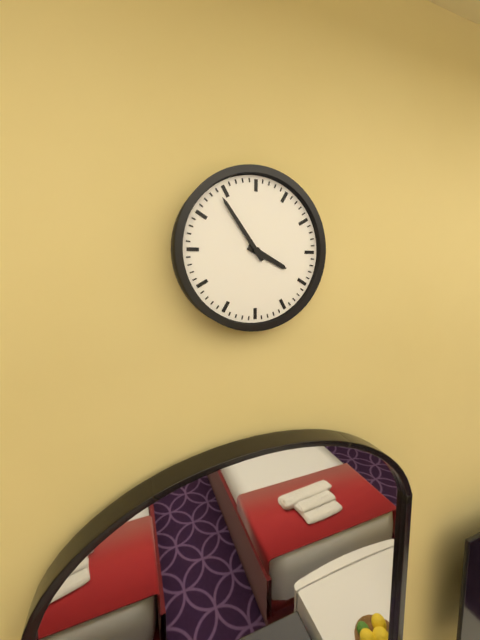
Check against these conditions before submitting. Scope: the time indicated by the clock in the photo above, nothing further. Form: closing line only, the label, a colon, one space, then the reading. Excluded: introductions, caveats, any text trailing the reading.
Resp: 3:54
